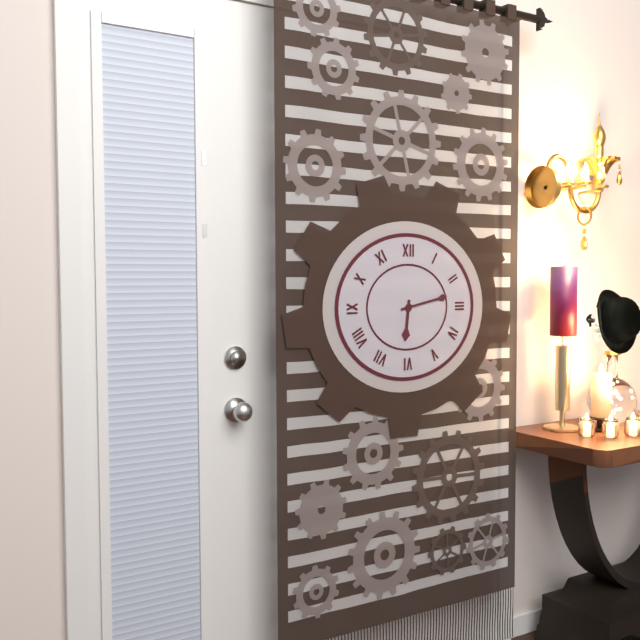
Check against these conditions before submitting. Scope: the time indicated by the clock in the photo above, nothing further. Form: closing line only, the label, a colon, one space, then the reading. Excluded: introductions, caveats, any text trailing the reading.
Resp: 6:13
